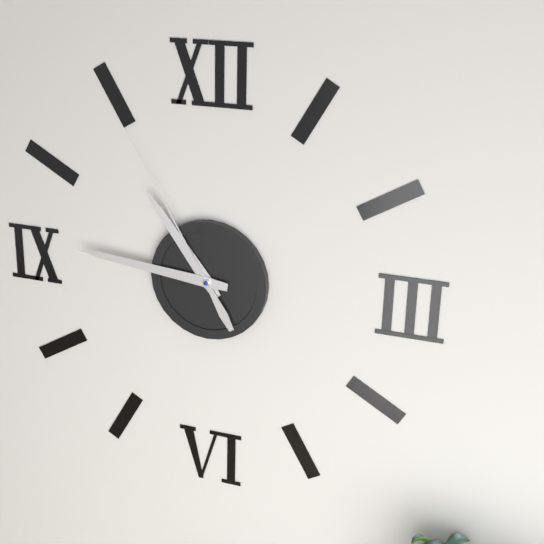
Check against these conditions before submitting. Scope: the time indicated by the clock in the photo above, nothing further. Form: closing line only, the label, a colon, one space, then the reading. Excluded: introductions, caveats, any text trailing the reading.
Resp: 10:46:55
